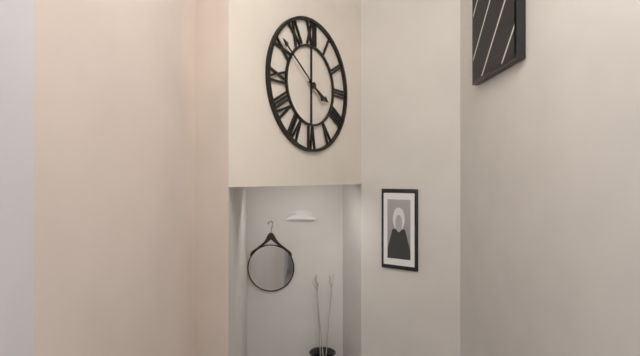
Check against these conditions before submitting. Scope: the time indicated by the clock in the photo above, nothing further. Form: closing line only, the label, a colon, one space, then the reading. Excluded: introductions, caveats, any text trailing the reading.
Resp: 3:51
